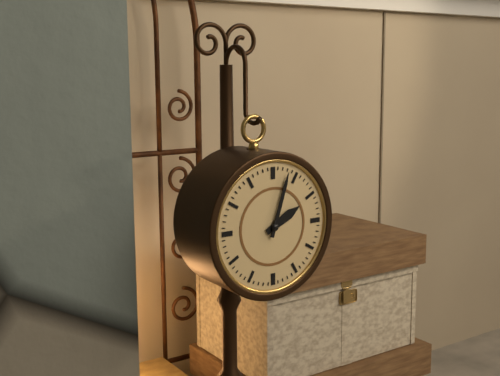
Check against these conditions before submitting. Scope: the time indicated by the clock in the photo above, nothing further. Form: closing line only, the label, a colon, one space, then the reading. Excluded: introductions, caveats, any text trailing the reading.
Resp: 2:03
